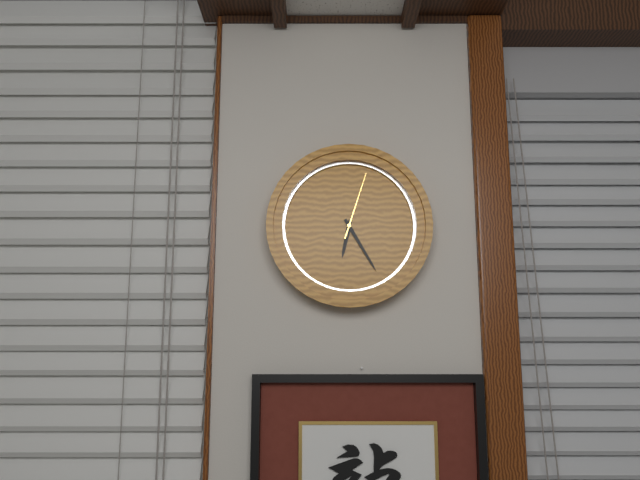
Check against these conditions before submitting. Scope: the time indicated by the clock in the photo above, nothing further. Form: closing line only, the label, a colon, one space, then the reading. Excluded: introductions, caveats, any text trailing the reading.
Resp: 6:25:03
